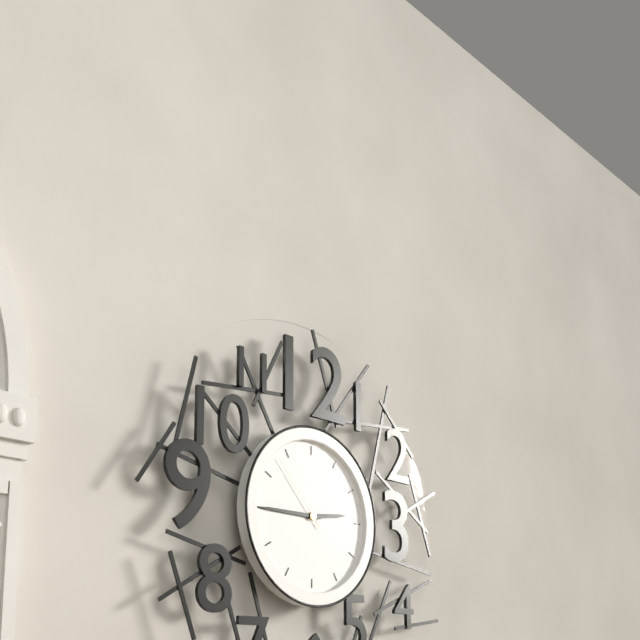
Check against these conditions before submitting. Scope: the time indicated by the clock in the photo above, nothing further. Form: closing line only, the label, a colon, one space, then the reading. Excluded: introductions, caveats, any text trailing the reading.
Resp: 2:45:53
